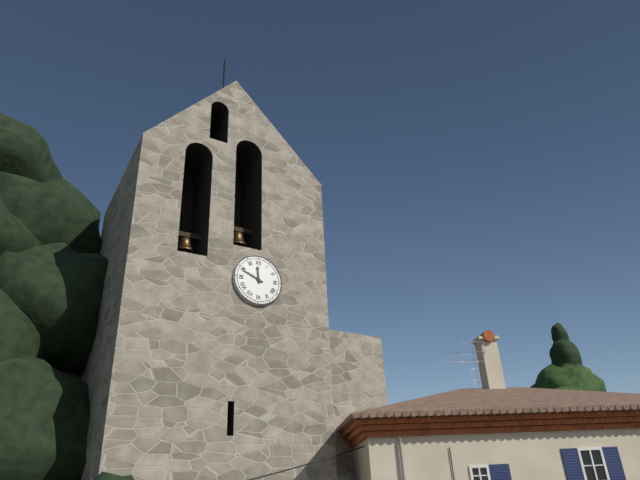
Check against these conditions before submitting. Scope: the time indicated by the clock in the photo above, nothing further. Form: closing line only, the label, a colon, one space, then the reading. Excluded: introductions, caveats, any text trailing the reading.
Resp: 11:49
